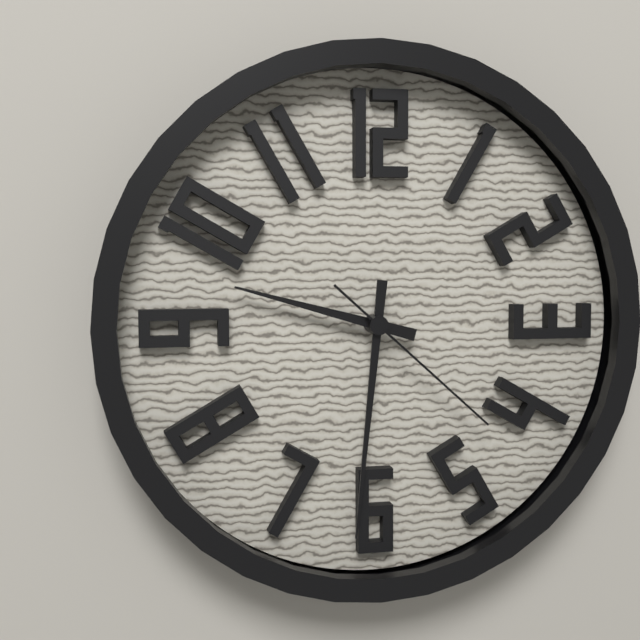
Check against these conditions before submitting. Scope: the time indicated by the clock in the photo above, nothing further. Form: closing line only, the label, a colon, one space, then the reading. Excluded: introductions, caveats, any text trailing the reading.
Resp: 9:31:22
